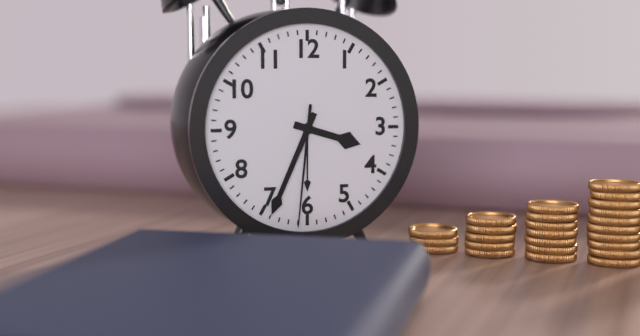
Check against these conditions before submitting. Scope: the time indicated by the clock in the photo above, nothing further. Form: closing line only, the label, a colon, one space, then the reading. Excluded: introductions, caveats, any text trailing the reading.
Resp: 3:34:31
